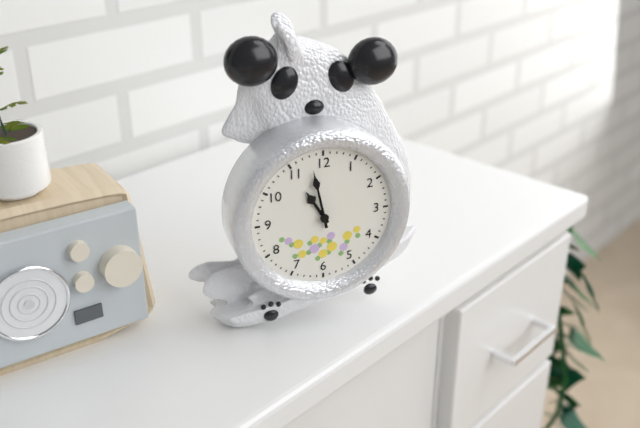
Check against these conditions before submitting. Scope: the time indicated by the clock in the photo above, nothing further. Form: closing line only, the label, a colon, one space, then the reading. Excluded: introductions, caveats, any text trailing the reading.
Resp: 10:58
